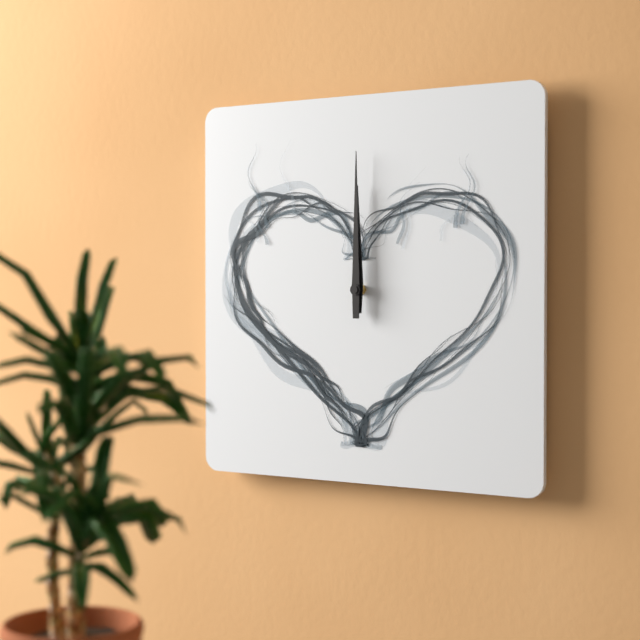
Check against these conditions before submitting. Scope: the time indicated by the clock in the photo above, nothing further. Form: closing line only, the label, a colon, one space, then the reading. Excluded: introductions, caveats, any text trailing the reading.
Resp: 12:00
